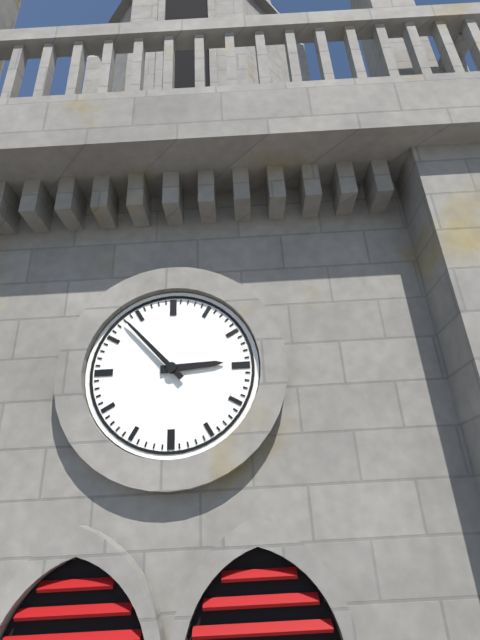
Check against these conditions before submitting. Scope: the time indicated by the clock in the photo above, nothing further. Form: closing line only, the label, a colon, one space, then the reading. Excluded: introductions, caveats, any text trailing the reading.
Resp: 2:53
